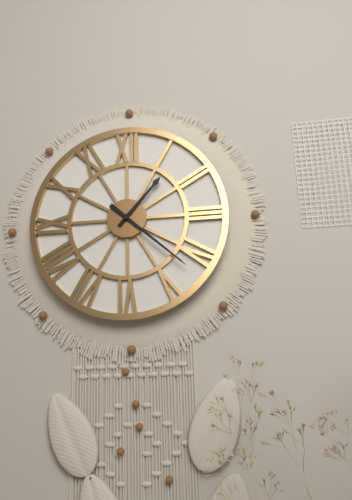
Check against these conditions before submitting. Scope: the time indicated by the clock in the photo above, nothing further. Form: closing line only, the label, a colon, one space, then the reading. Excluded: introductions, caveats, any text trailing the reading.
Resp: 1:22
